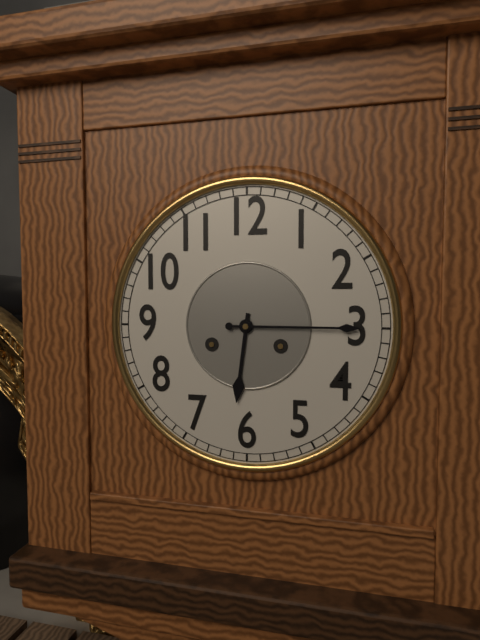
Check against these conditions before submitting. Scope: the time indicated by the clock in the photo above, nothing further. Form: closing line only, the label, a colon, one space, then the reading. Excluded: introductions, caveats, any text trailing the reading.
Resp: 6:15
